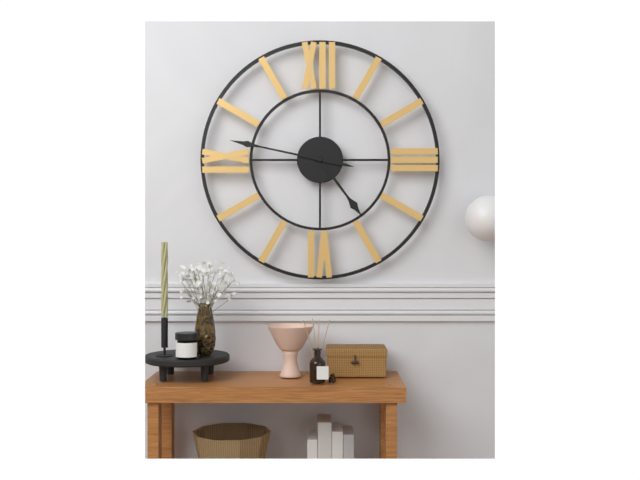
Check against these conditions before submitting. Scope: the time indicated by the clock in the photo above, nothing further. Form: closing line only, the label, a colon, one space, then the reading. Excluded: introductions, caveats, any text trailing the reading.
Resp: 4:47
